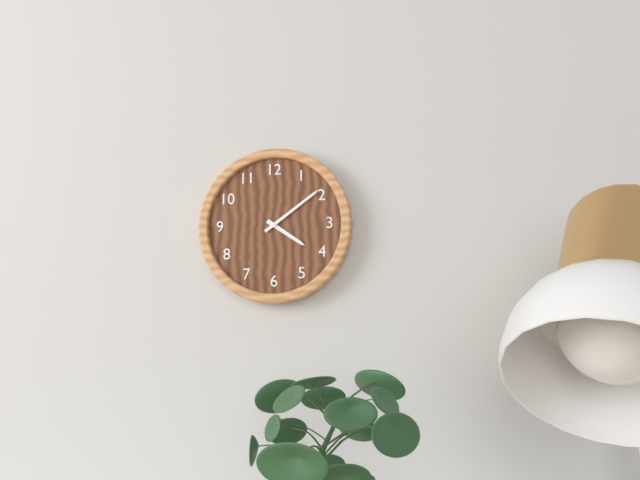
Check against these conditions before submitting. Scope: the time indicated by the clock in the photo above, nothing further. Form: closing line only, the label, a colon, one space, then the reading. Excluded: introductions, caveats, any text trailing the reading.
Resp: 4:09
